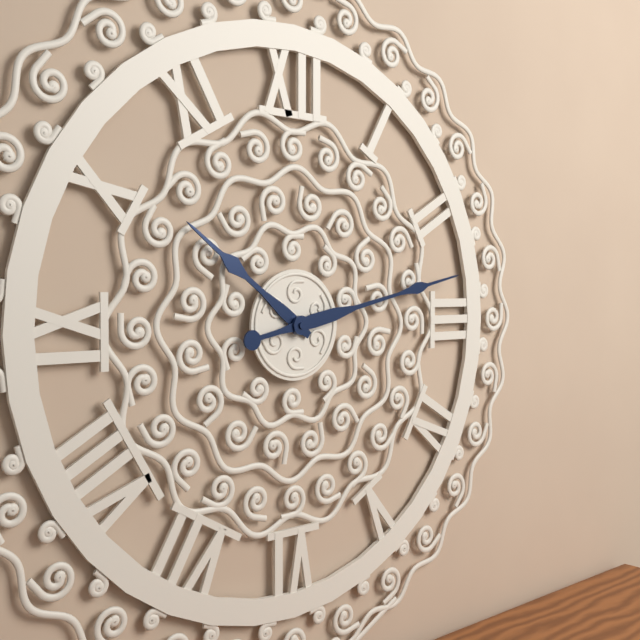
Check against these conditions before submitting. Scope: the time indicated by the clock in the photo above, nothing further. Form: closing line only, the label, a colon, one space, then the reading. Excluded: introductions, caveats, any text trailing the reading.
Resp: 10:13
